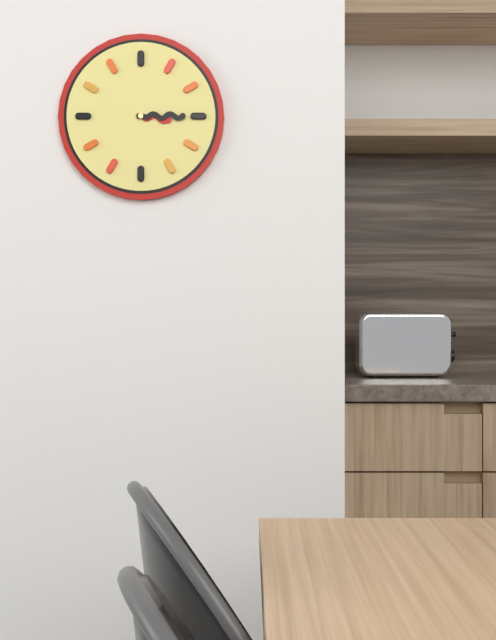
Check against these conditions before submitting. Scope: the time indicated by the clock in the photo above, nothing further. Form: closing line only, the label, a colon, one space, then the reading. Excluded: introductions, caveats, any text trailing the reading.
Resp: 3:15
